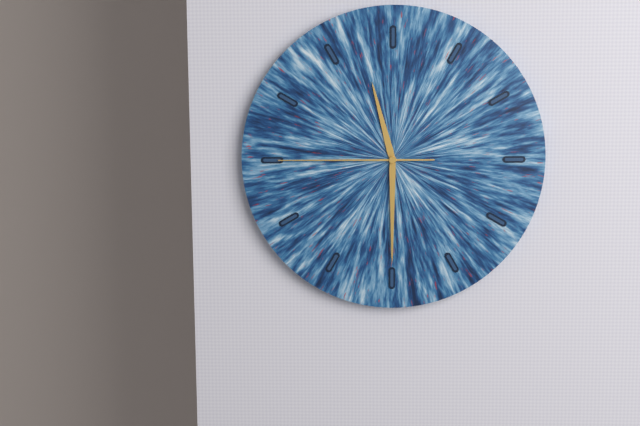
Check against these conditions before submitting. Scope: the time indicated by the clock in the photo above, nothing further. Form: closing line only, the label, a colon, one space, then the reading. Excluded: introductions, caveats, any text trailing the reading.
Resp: 11:30:45
